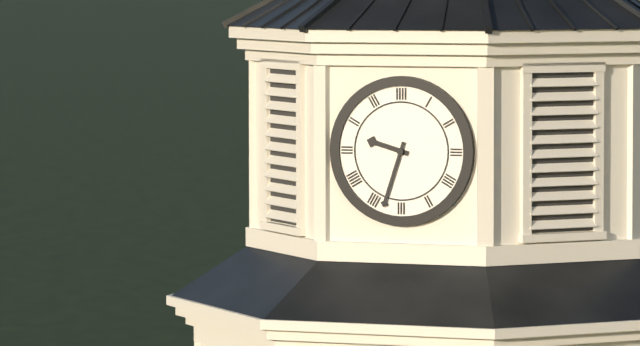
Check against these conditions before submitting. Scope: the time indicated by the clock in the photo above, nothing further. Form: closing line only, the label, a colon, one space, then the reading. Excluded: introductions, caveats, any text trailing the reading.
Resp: 9:33
